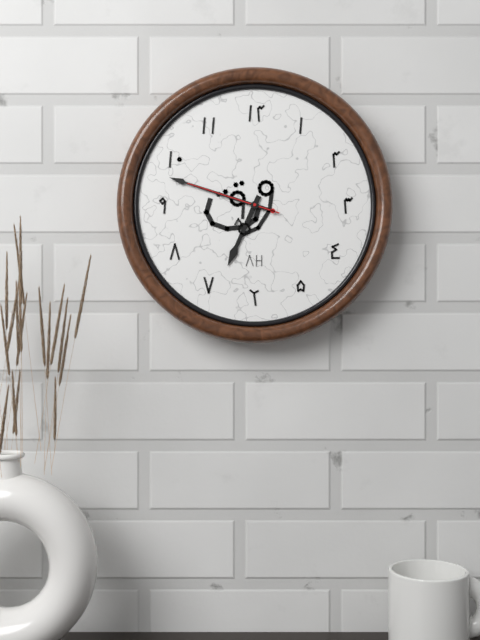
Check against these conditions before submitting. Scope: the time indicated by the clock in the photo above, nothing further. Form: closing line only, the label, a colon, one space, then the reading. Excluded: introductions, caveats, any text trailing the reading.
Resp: 6:48:48
